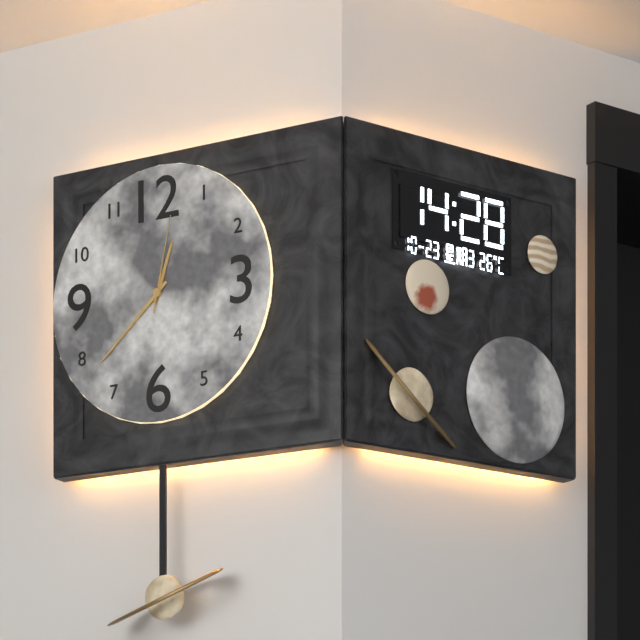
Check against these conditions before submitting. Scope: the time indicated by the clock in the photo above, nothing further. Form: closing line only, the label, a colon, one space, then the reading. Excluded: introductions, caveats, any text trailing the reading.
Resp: 12:38:02
